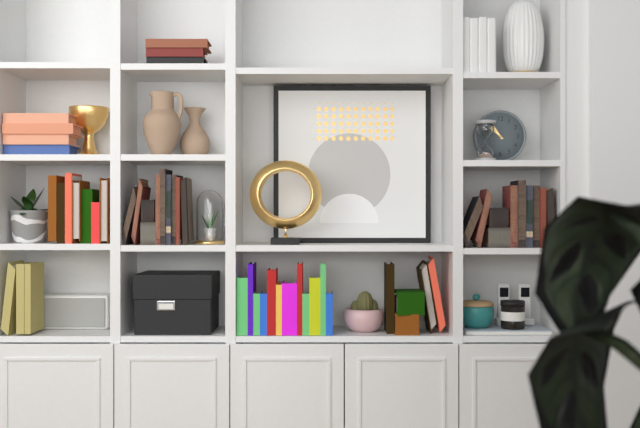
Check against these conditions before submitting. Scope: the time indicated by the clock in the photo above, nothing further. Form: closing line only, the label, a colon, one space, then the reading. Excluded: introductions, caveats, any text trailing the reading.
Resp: 10:52
